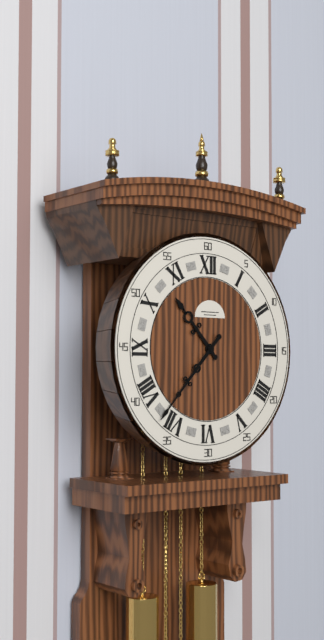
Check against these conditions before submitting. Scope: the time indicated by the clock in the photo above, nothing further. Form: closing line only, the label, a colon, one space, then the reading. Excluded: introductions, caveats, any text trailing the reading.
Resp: 10:37
